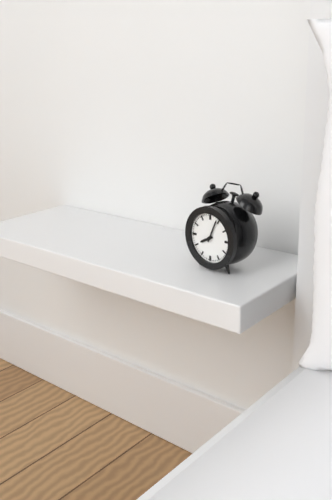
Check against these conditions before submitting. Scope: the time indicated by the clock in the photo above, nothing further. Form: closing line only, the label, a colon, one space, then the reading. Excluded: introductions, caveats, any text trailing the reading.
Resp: 8:04
